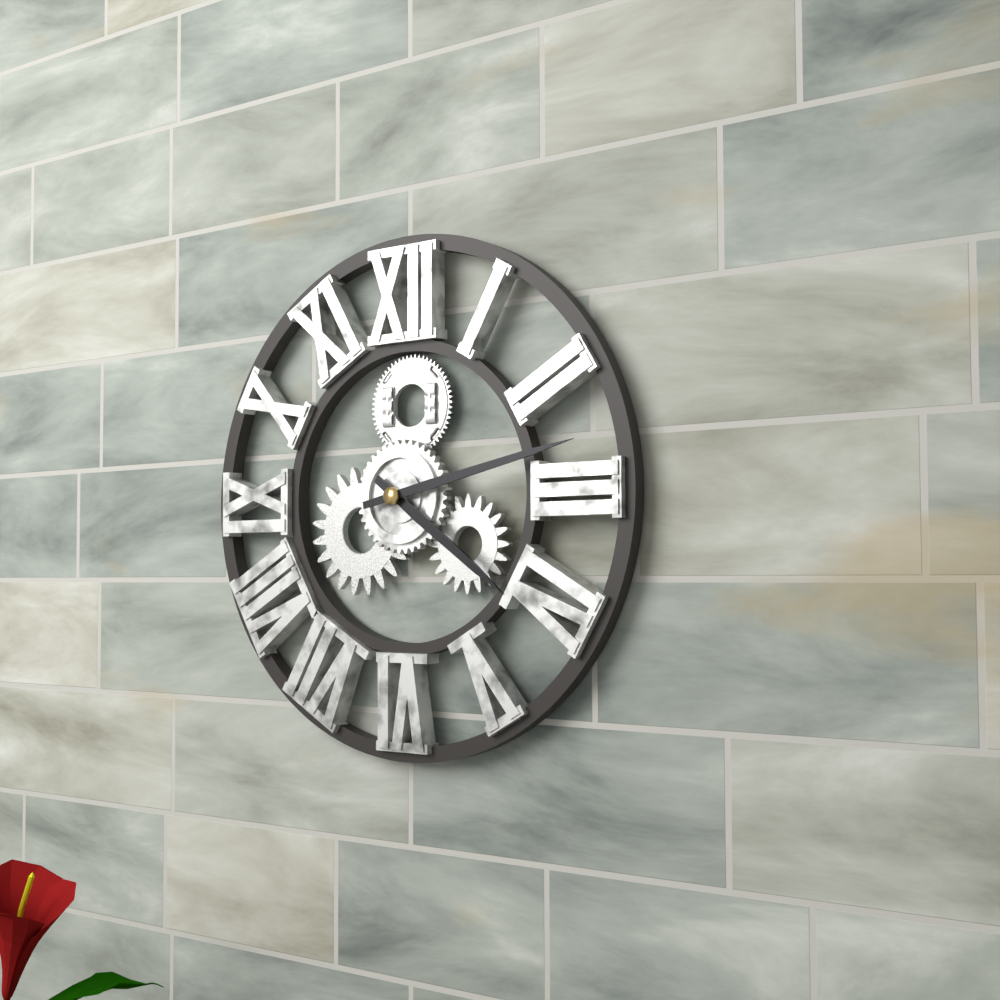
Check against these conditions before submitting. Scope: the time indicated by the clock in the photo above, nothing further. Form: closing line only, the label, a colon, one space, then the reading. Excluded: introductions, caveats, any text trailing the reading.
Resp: 4:13
